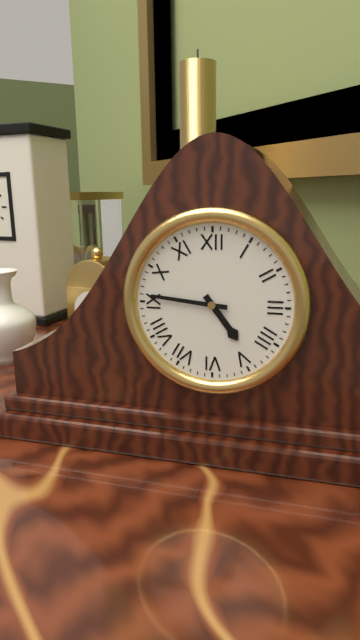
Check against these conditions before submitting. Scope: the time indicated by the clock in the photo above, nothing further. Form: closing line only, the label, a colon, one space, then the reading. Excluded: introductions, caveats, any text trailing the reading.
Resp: 4:46
